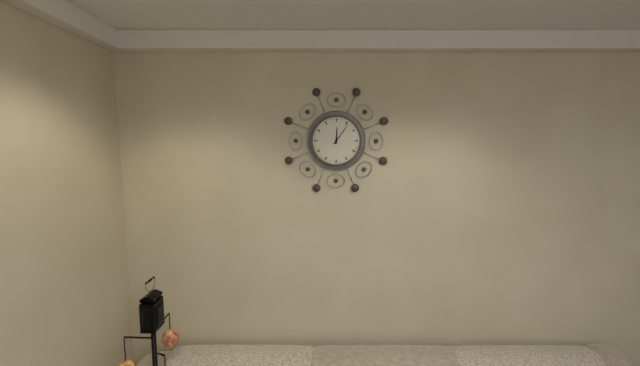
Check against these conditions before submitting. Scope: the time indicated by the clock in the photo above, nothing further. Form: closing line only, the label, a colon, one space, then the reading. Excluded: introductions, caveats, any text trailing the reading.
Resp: 12:06
